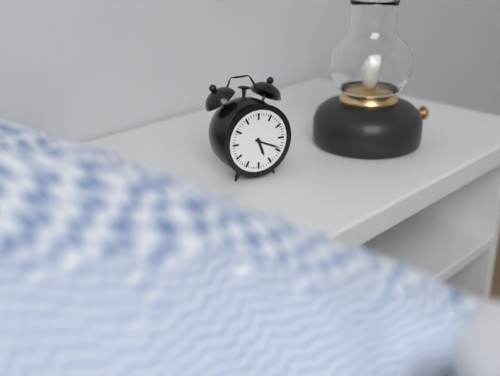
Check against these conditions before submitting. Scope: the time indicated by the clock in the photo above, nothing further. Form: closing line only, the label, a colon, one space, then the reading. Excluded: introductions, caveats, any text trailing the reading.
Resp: 5:19
